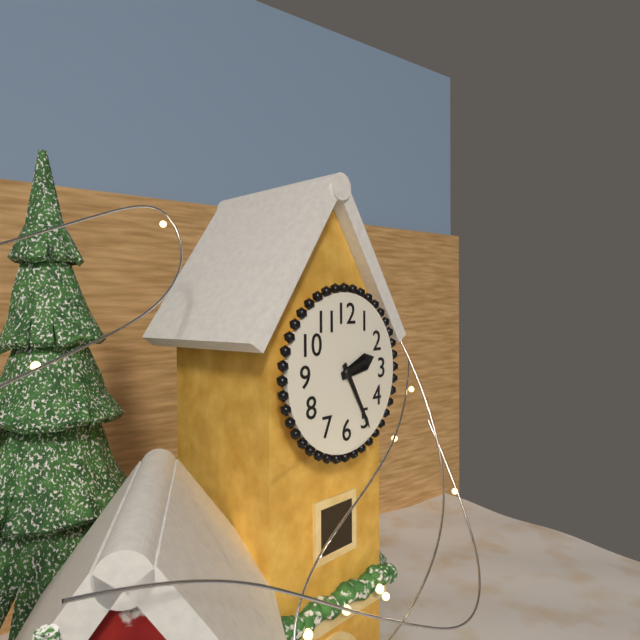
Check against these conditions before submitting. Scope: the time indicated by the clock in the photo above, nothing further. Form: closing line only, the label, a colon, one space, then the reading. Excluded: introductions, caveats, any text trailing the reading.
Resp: 2:25
